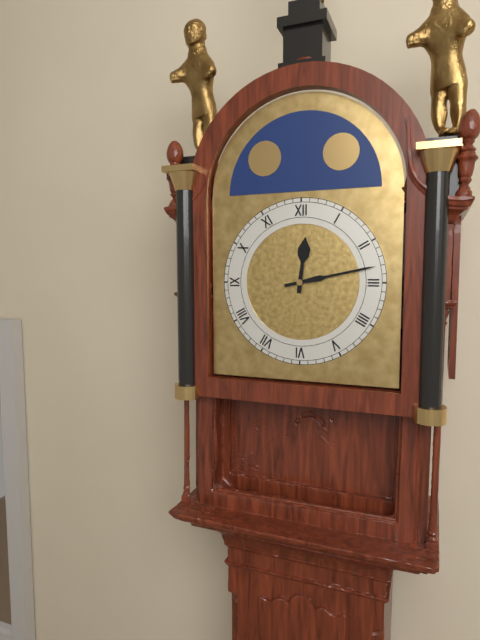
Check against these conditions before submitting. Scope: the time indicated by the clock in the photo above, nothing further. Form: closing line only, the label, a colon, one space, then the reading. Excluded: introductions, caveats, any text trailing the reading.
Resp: 12:13
